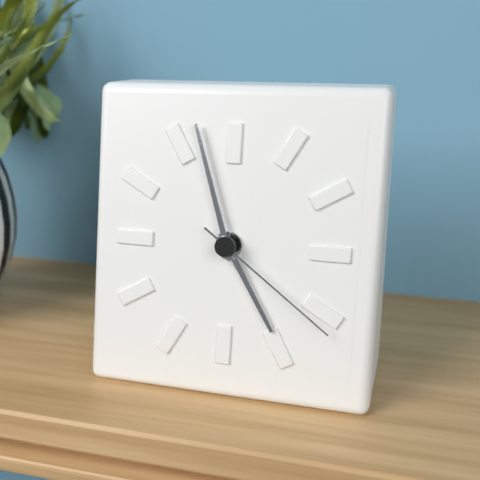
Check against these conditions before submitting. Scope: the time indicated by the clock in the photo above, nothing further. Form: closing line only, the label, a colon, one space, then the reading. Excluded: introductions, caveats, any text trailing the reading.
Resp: 4:57:21
